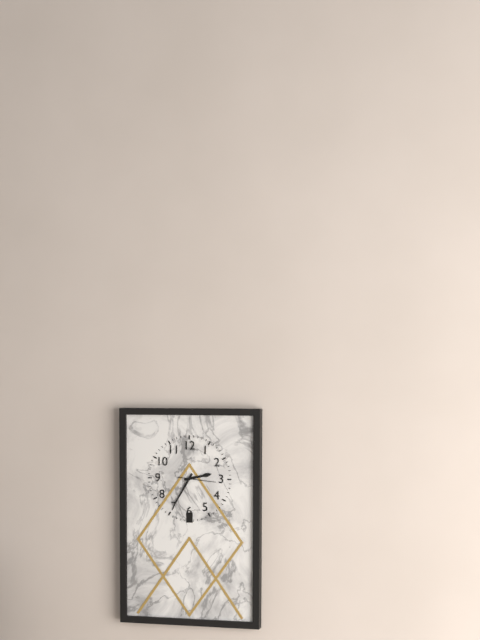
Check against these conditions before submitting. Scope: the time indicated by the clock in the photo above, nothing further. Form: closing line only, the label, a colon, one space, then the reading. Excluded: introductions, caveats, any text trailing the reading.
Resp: 2:35
